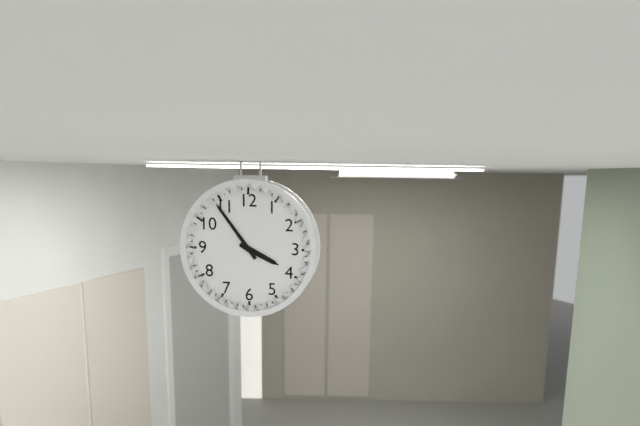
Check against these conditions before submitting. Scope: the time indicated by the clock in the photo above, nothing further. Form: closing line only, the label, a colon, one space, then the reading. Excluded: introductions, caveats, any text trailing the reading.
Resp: 3:54
